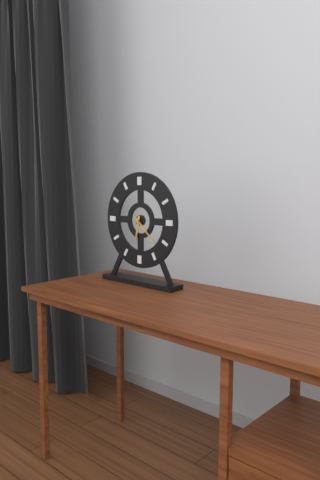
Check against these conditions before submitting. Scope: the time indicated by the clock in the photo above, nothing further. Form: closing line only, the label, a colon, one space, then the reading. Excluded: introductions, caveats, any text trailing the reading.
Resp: 6:22
